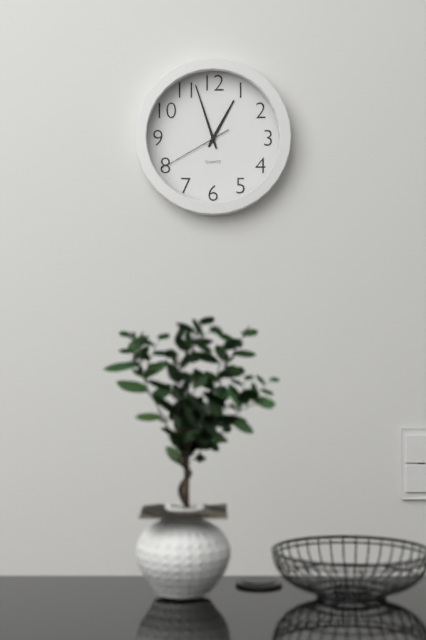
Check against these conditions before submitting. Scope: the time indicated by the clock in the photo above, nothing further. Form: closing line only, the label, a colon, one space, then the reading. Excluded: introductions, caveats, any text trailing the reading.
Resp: 12:57:40
